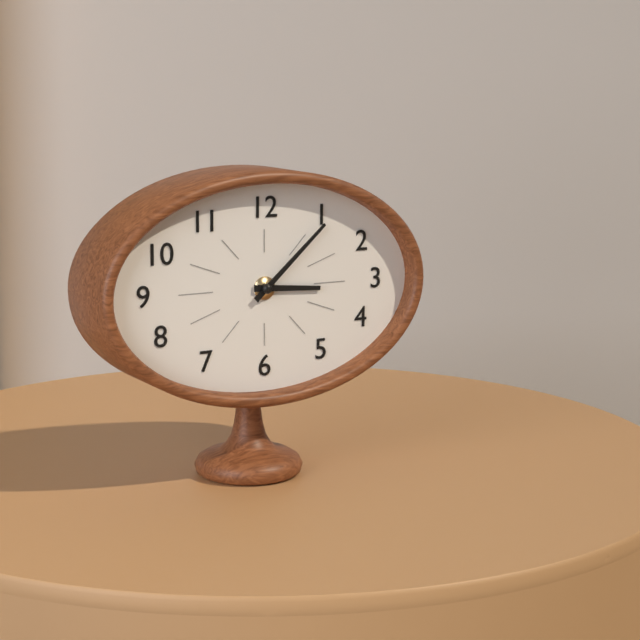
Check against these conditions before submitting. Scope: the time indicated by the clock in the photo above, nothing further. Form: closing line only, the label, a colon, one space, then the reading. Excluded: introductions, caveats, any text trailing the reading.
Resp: 3:08
